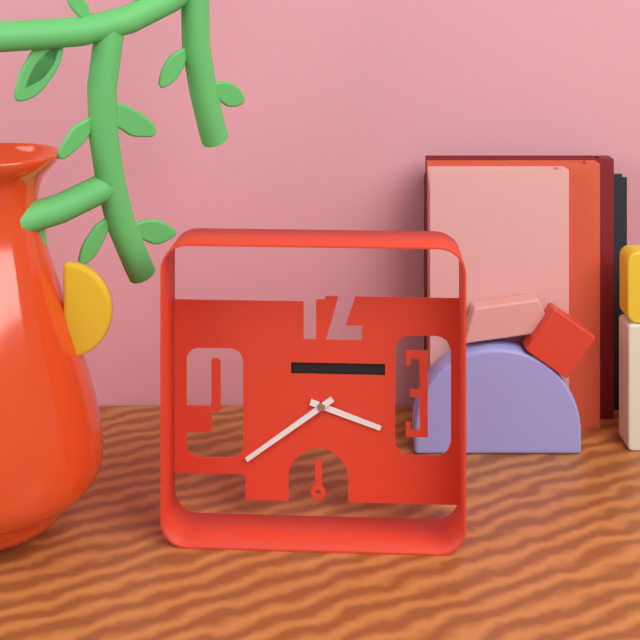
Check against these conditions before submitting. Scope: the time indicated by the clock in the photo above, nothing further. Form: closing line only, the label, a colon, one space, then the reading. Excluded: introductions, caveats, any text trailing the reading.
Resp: 3:39
